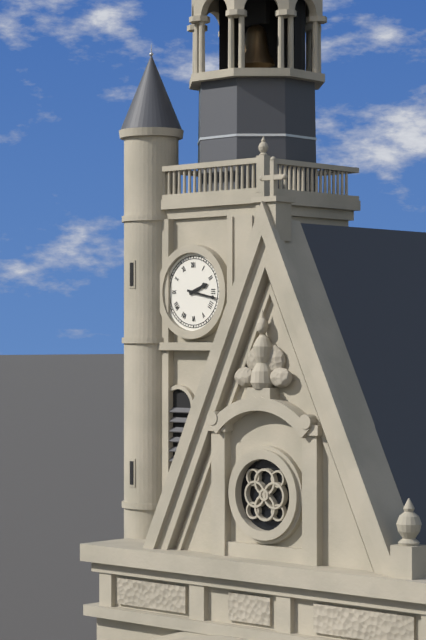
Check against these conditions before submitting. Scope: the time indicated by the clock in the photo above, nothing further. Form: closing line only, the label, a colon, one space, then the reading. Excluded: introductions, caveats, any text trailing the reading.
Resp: 2:17
